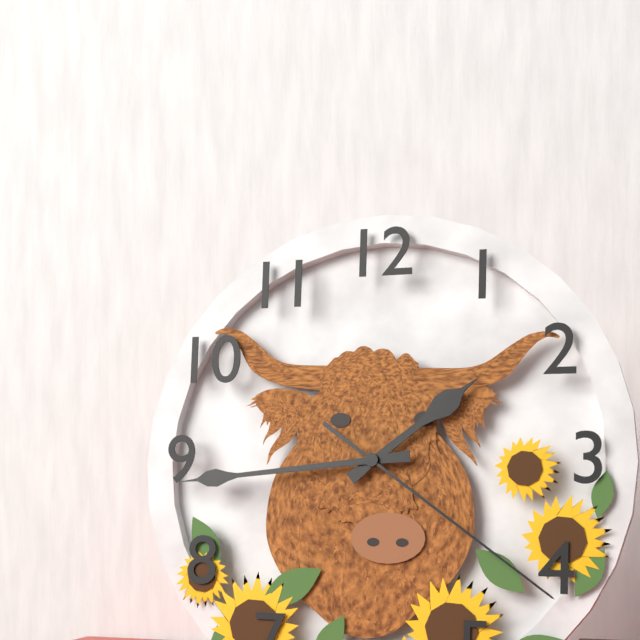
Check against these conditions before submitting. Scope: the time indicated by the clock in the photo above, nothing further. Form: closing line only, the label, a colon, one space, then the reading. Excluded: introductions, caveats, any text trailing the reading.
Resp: 1:44:21
